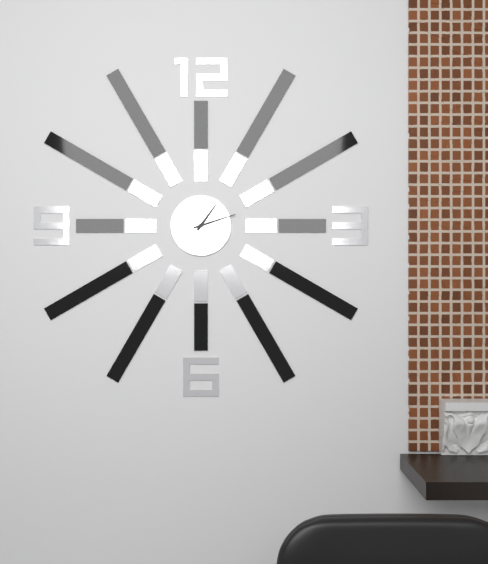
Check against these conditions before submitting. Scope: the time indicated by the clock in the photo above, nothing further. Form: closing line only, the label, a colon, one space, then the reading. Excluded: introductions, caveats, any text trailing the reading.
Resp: 1:12
